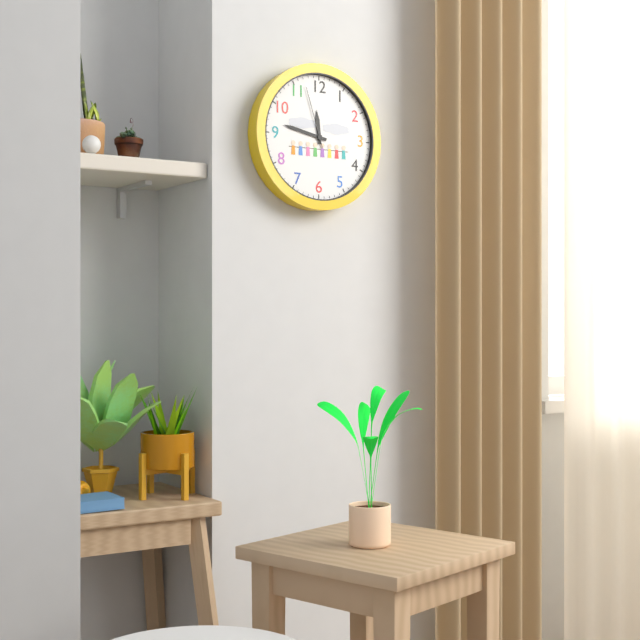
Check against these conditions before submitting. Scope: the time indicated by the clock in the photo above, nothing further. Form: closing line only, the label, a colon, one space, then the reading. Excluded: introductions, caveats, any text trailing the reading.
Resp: 11:47:57
